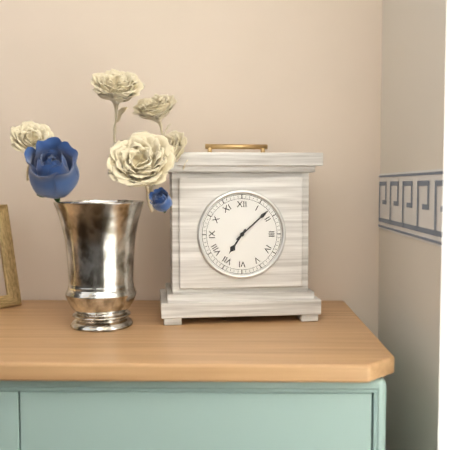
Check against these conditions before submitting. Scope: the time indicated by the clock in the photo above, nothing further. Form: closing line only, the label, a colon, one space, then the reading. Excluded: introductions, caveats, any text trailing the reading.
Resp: 7:08
